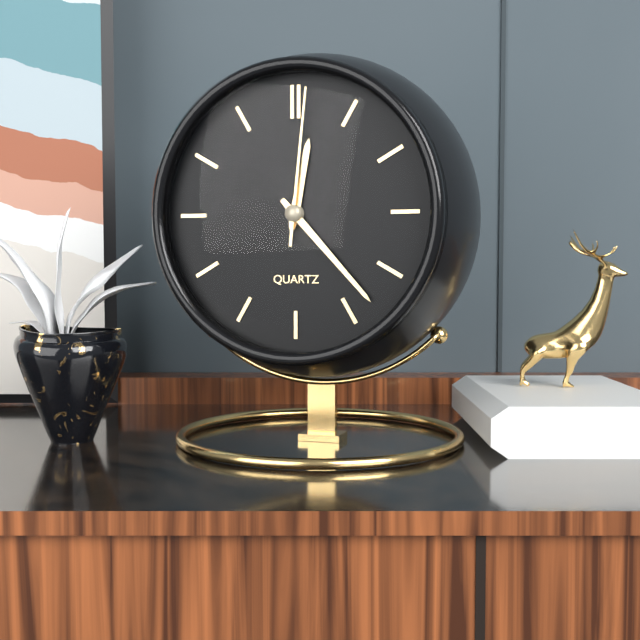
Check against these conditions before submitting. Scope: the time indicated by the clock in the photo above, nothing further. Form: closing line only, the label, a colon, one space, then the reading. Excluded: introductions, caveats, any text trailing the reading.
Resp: 12:23:01
